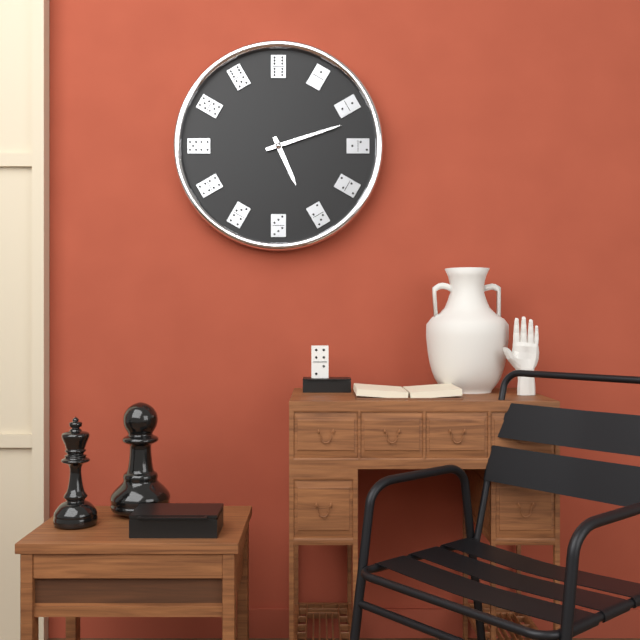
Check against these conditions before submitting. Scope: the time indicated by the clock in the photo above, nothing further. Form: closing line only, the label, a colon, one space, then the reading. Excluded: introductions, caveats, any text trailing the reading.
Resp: 5:12
